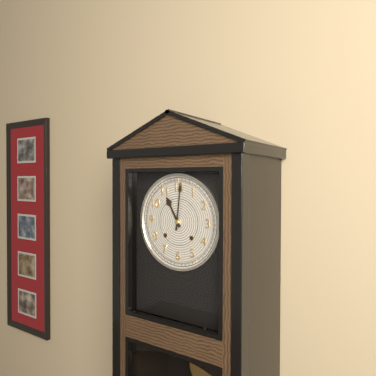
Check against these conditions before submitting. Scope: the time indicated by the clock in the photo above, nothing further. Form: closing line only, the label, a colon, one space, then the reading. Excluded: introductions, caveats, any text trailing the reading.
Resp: 11:01
